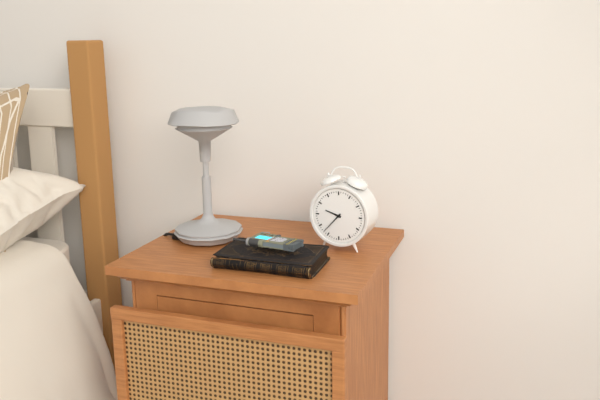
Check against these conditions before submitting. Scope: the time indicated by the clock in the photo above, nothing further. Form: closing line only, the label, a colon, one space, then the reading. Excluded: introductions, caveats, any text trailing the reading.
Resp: 9:37
